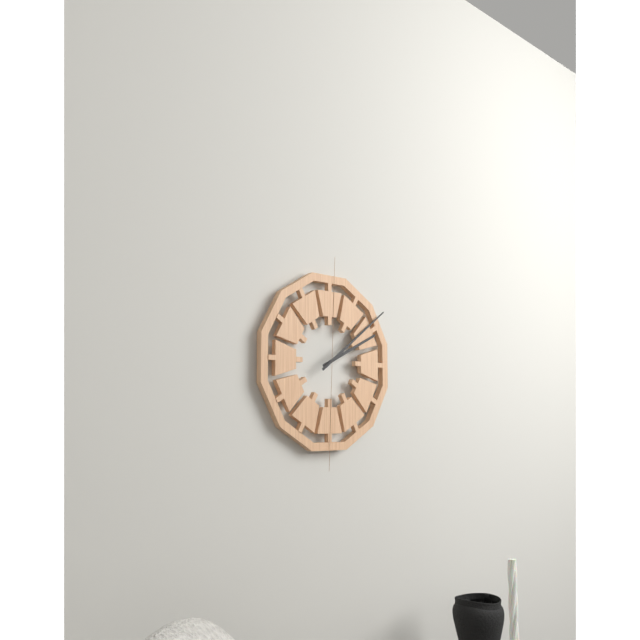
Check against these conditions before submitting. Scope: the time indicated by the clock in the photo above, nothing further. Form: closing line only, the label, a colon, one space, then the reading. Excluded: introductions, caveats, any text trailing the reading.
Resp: 2:09
